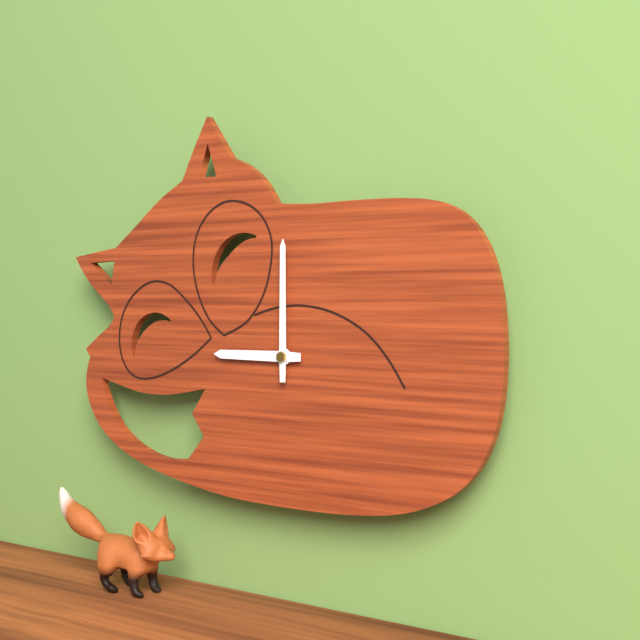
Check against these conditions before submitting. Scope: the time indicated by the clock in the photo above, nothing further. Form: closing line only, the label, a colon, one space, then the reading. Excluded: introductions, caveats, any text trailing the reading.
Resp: 9:00
